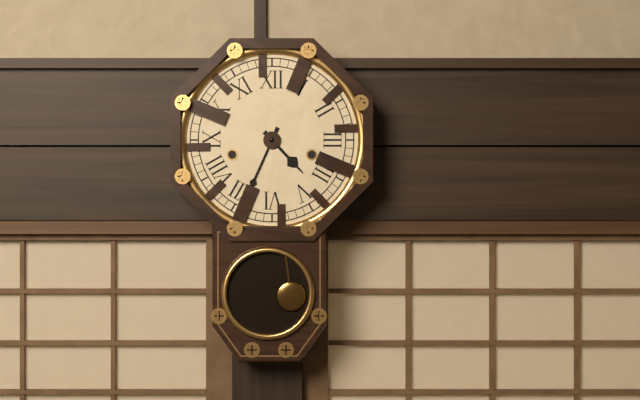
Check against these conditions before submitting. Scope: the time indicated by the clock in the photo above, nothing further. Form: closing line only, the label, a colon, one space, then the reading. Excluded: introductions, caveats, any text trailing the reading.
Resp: 4:34
